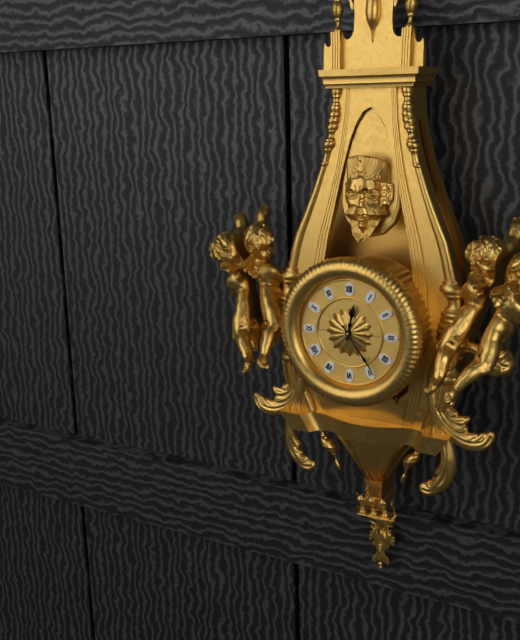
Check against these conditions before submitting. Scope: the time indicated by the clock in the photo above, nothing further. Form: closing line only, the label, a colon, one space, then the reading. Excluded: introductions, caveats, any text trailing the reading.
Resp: 12:24
